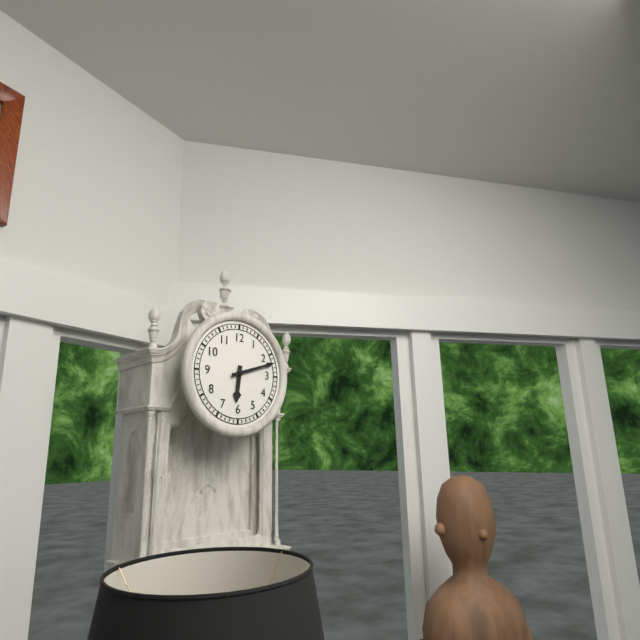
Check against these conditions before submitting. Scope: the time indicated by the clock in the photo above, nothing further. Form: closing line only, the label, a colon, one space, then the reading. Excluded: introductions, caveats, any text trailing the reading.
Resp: 6:12
